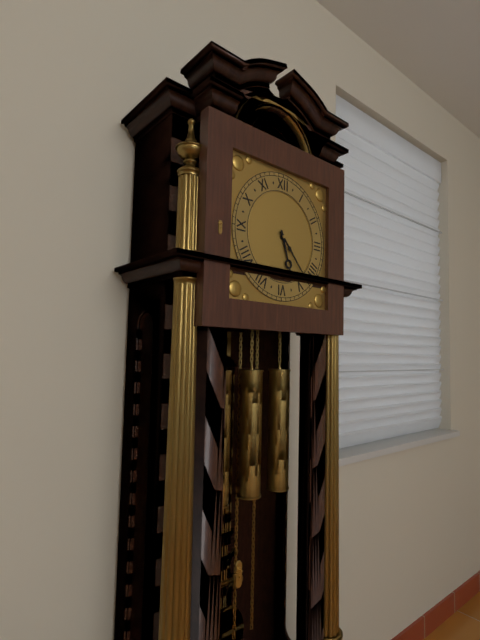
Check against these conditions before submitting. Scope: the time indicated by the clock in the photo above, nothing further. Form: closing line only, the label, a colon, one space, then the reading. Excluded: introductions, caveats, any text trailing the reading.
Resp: 5:23
